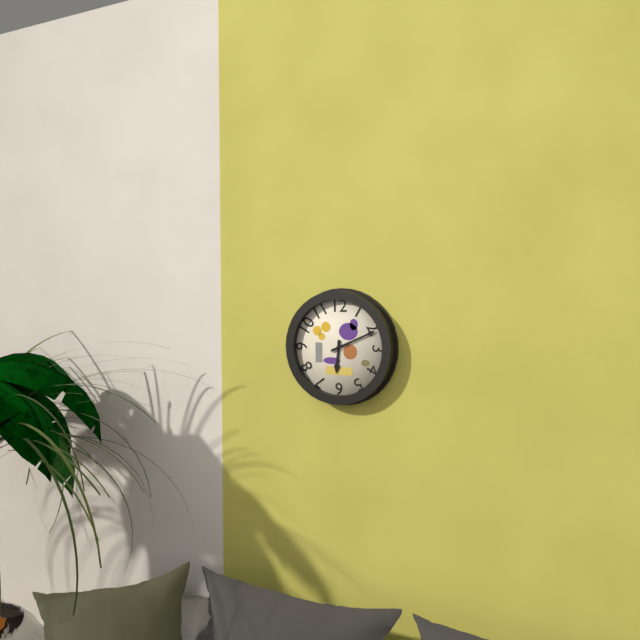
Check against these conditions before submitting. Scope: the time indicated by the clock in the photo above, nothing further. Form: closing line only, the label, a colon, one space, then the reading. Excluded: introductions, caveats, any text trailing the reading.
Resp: 6:11
